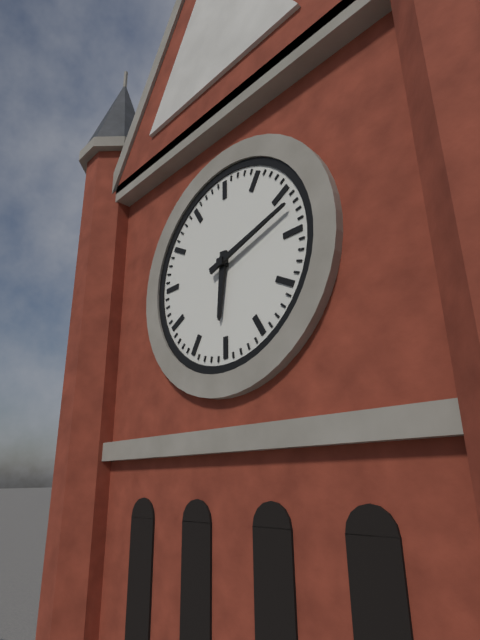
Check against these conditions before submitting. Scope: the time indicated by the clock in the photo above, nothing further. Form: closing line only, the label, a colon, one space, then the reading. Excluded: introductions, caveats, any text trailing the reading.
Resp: 6:12
